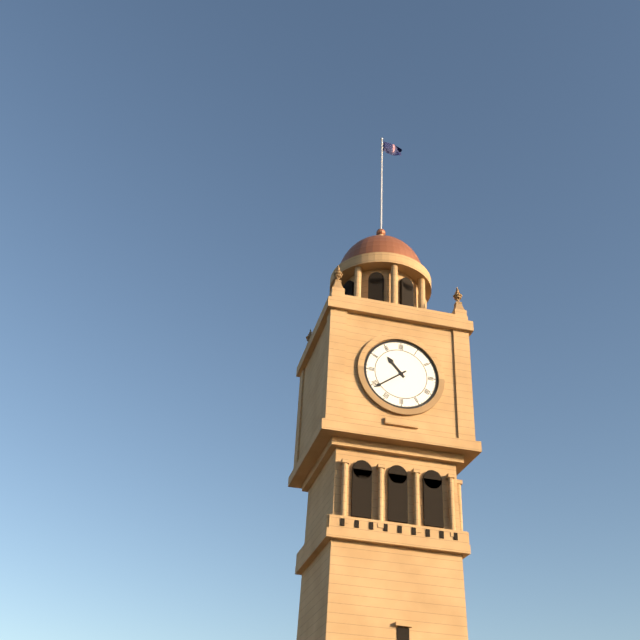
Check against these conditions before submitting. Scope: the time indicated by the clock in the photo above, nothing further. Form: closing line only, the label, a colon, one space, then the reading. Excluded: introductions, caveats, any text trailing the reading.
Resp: 10:39
